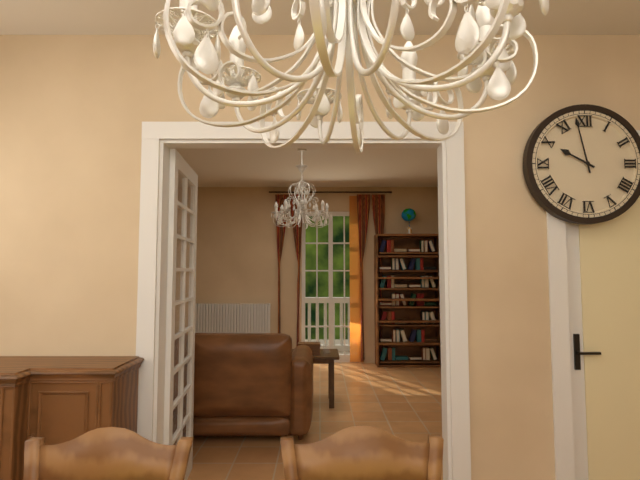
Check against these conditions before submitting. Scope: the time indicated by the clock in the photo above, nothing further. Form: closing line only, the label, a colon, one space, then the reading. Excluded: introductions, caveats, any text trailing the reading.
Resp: 9:58
